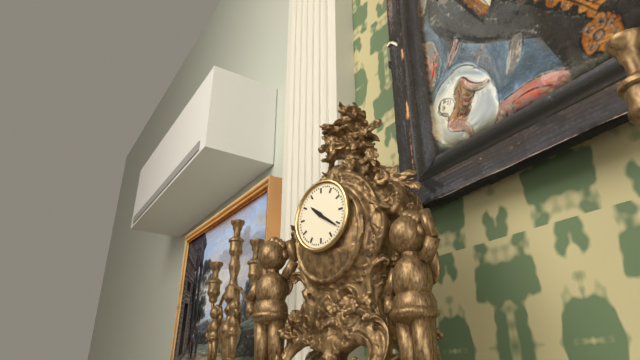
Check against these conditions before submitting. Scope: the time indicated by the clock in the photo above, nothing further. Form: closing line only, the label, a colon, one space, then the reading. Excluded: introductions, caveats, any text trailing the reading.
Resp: 10:21
